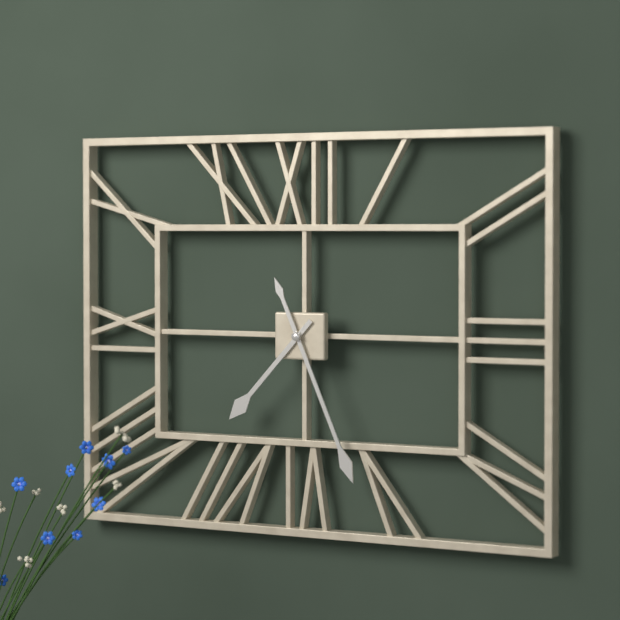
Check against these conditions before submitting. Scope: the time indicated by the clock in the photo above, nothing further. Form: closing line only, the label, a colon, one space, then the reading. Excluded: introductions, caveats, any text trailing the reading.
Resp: 7:26
